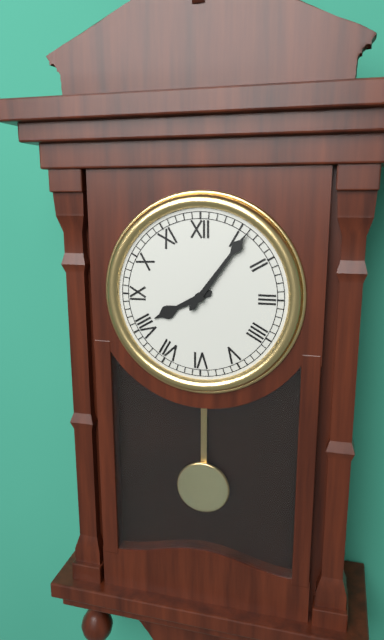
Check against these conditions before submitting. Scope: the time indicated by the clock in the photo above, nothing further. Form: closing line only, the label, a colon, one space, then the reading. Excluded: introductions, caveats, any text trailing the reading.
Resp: 8:06
